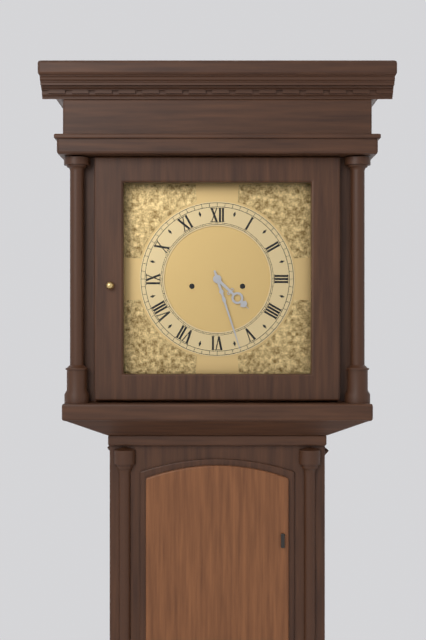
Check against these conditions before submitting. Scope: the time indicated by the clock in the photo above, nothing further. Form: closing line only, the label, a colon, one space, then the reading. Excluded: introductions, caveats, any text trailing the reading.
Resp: 4:27
